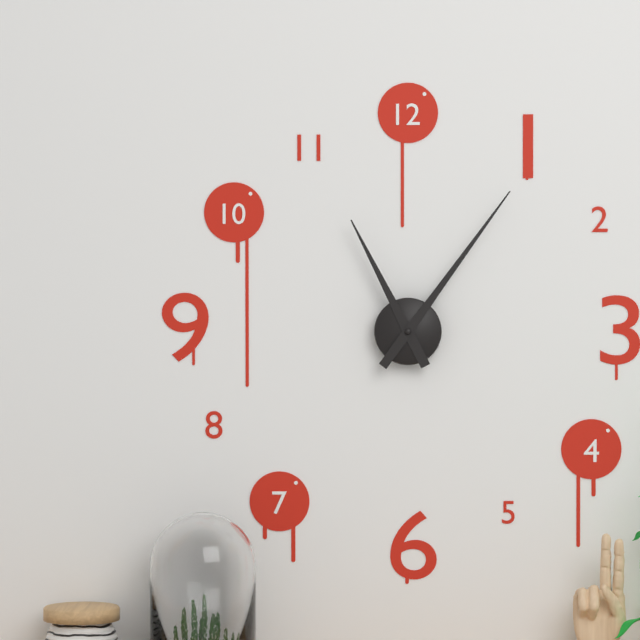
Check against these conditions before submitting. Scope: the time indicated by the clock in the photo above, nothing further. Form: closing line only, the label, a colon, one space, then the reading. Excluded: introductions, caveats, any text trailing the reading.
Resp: 11:06
